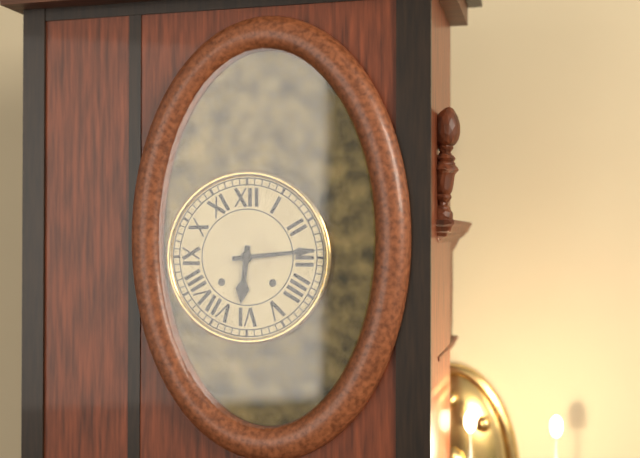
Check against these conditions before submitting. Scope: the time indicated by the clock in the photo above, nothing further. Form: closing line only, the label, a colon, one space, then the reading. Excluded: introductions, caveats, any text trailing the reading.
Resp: 6:14
